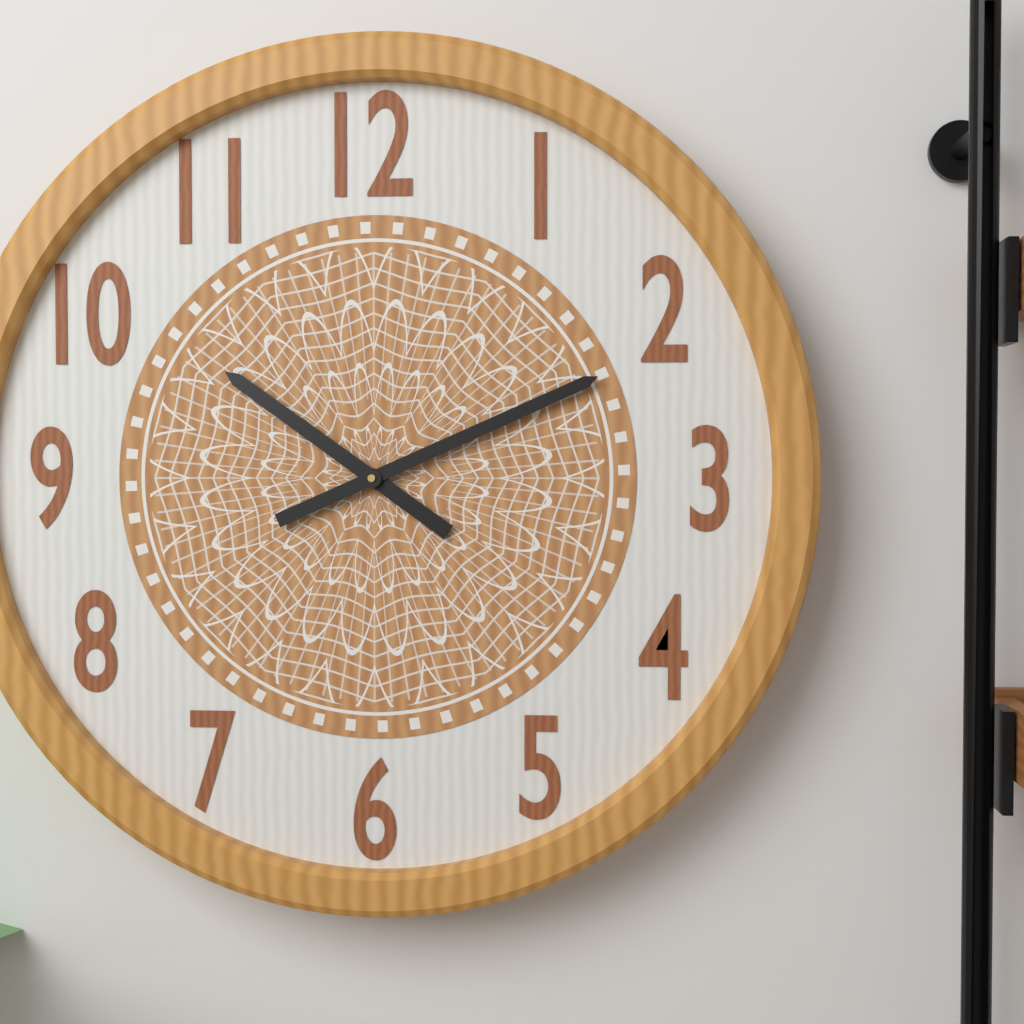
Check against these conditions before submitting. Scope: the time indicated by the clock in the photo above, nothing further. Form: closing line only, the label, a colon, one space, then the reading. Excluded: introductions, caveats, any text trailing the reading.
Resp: 10:11
